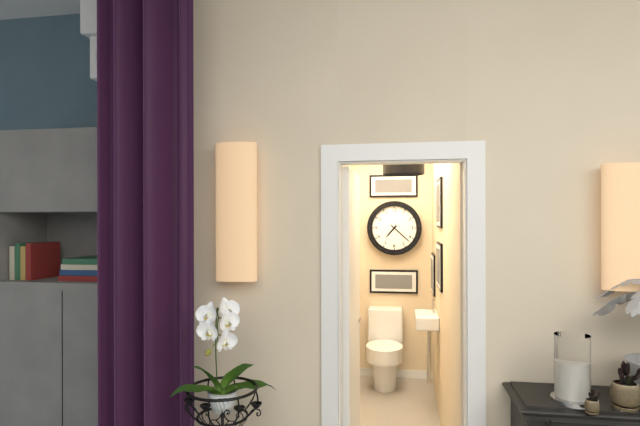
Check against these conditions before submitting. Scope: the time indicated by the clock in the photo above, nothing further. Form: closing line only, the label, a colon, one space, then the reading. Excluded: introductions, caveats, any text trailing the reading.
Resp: 7:22
